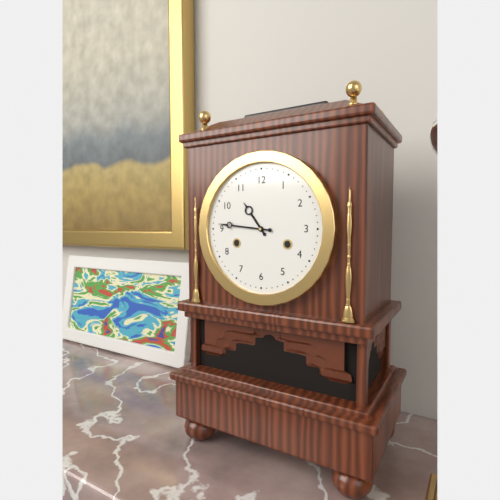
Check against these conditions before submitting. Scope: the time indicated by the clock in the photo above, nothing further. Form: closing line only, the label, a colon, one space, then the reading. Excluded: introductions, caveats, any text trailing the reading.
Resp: 10:46
